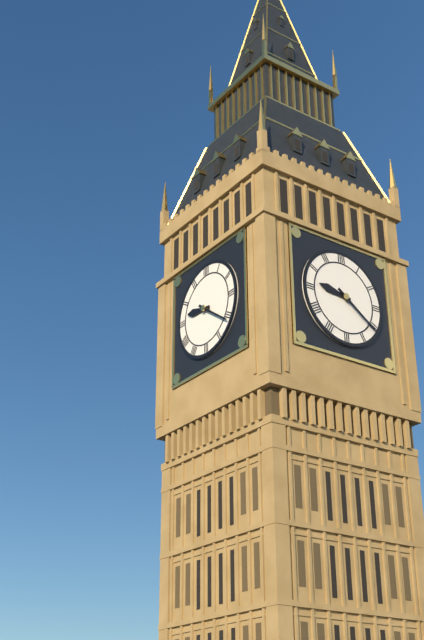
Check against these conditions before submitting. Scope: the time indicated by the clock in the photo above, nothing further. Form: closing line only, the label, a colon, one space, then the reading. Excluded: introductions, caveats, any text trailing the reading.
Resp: 9:21
